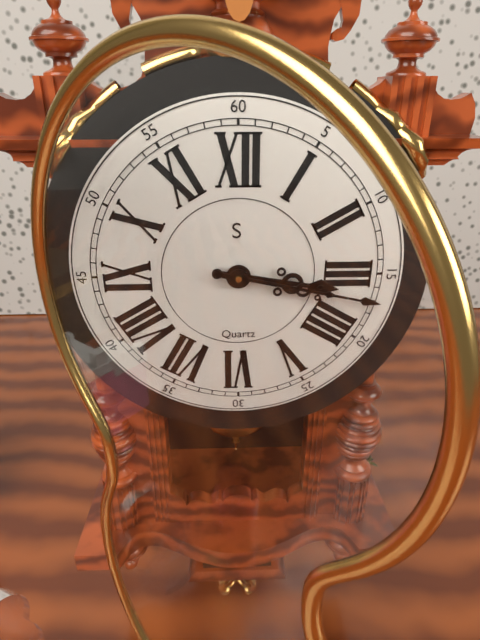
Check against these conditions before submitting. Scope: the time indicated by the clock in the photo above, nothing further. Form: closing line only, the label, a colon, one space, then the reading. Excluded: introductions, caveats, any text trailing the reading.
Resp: 3:17
